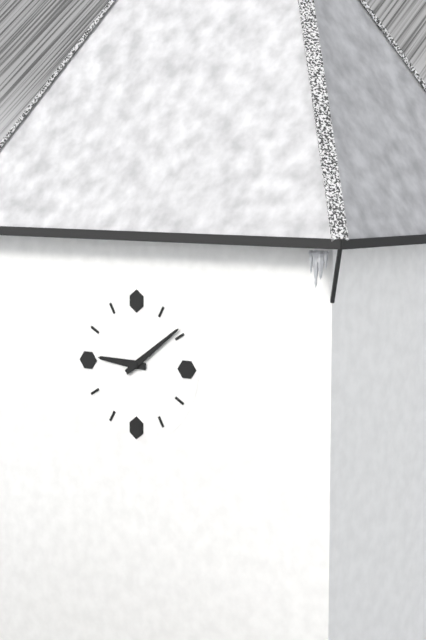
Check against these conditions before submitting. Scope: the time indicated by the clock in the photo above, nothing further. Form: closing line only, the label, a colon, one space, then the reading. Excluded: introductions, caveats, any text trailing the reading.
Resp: 9:09
